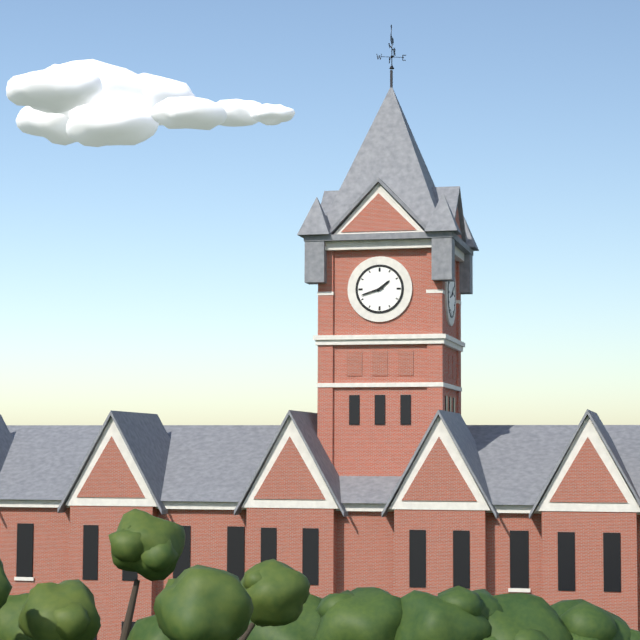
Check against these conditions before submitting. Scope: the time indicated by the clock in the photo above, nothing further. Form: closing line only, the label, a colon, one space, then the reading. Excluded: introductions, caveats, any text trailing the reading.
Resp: 1:42
